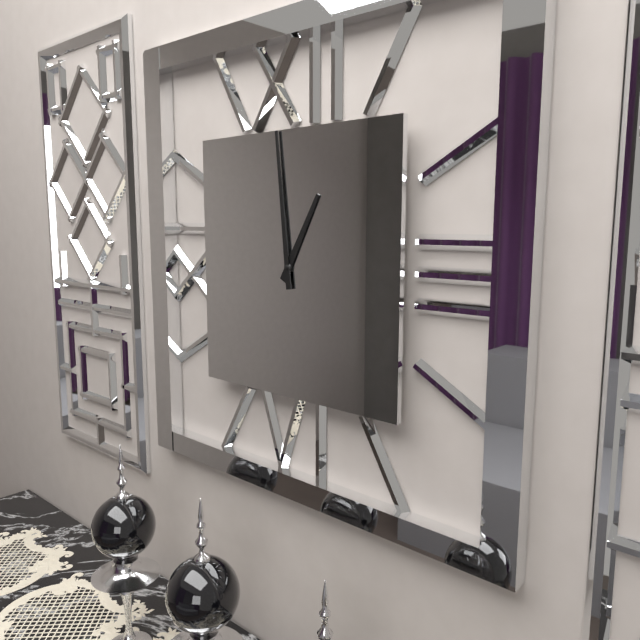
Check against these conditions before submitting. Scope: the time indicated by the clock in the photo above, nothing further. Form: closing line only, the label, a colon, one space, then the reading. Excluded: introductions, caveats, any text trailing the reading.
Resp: 12:59
